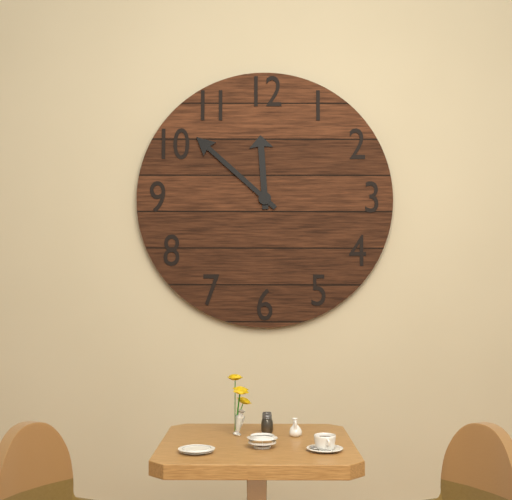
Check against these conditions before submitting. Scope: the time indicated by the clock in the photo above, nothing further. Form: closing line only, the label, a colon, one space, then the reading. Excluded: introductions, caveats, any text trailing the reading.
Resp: 11:52
